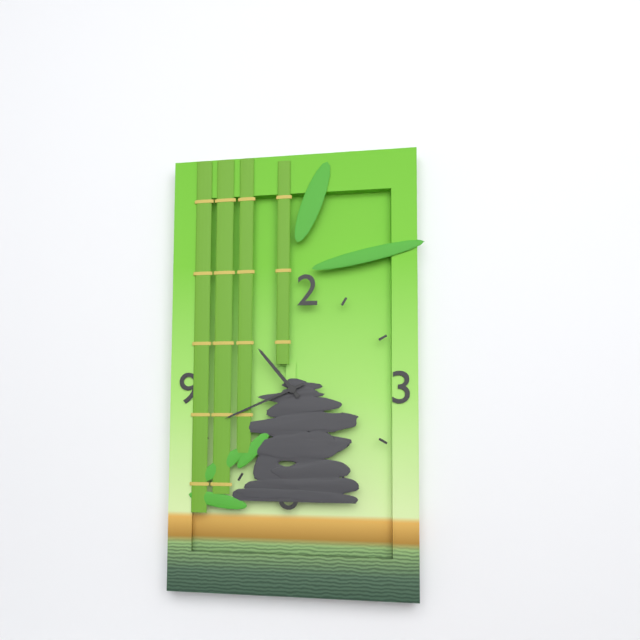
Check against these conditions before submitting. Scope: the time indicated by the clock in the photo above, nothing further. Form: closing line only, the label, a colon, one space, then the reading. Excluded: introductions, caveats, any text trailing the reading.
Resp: 10:41
